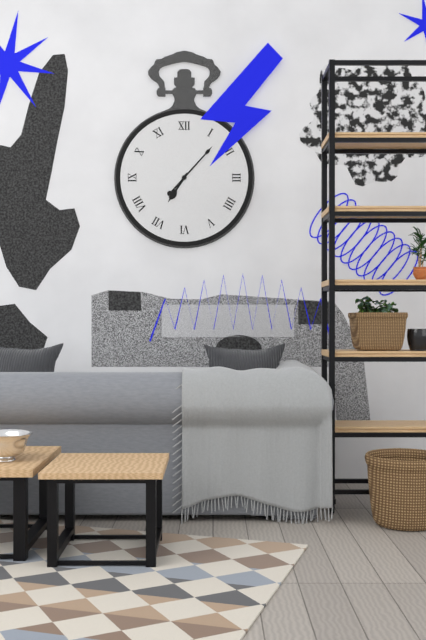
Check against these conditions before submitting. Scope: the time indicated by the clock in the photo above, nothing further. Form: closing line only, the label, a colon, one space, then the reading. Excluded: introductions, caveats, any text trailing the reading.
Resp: 7:07
